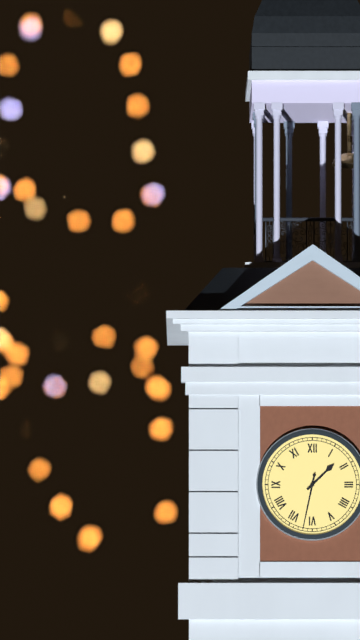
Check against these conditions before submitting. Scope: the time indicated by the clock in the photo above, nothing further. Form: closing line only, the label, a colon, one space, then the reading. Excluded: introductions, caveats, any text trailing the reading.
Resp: 1:32
